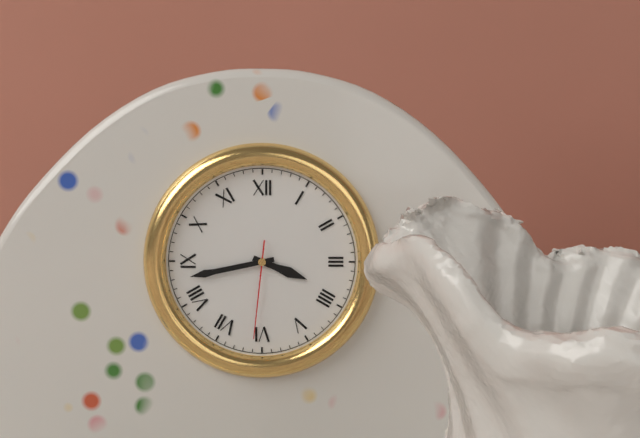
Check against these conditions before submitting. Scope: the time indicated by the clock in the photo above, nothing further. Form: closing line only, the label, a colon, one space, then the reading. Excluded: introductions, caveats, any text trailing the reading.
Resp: 3:43:31
